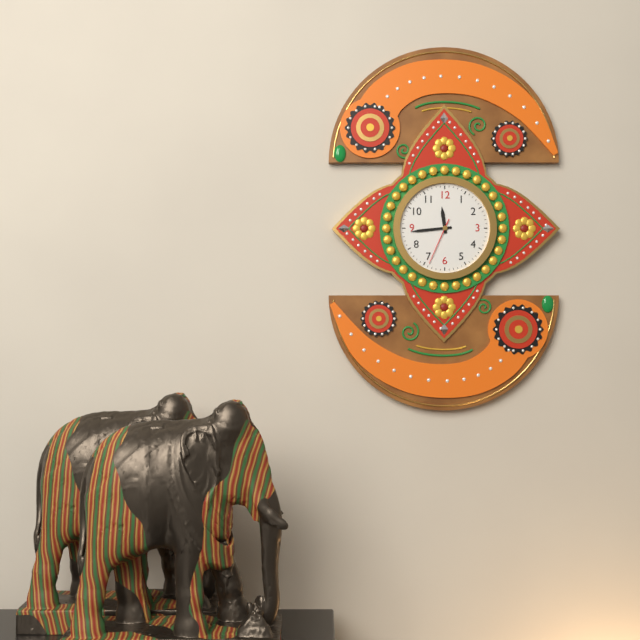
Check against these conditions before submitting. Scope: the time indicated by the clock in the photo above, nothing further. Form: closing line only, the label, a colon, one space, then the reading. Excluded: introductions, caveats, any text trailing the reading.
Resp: 11:44
